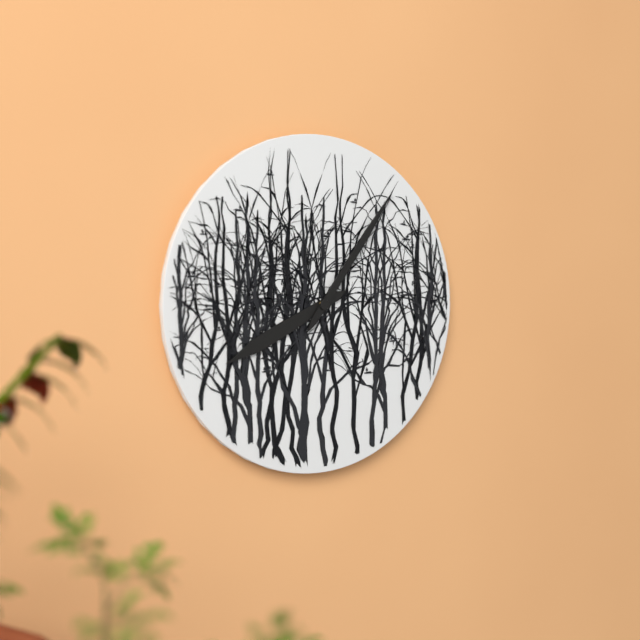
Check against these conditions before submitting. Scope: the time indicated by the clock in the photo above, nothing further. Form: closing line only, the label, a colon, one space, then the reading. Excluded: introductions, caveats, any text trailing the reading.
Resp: 8:06
